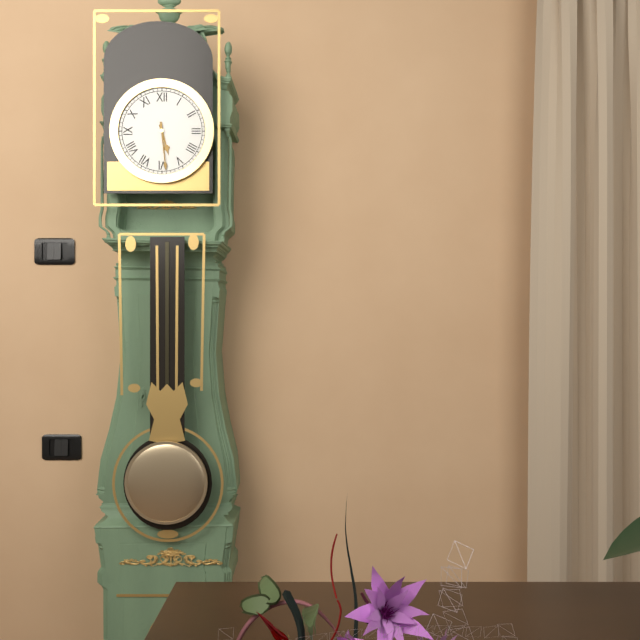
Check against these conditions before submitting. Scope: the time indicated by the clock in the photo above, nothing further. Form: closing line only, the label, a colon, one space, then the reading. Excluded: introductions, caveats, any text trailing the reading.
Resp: 5:29
